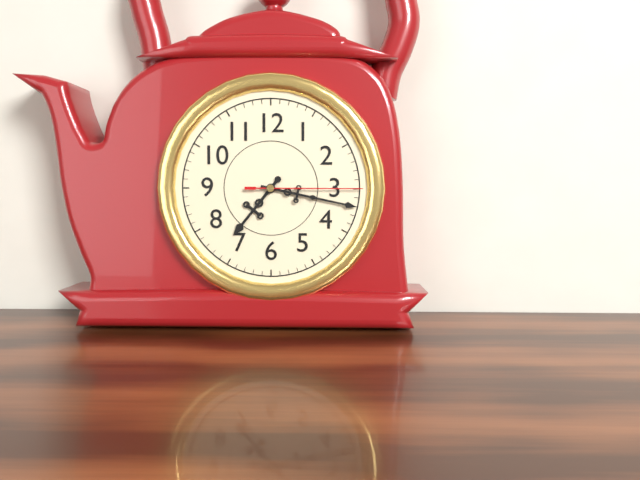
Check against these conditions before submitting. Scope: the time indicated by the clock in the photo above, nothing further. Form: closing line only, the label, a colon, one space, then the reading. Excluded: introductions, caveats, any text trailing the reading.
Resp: 7:17:15
